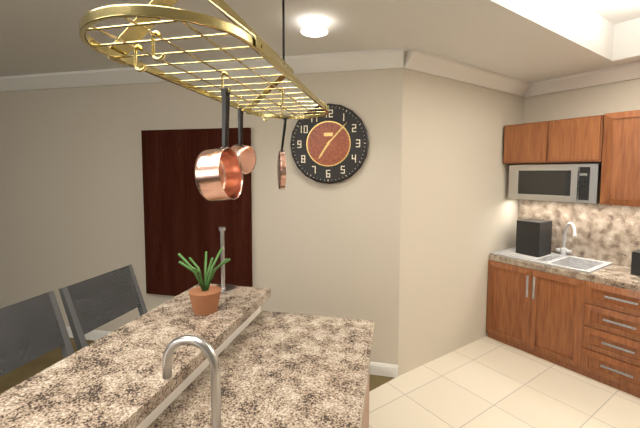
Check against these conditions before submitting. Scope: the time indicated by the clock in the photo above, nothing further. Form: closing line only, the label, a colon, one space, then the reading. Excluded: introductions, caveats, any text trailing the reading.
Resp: 7:07
